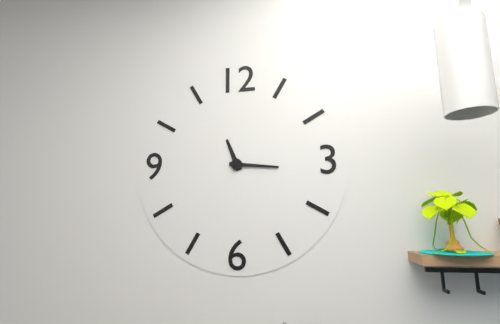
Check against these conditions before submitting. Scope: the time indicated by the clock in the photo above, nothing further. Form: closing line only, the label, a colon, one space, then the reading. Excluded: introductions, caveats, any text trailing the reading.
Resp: 11:16
